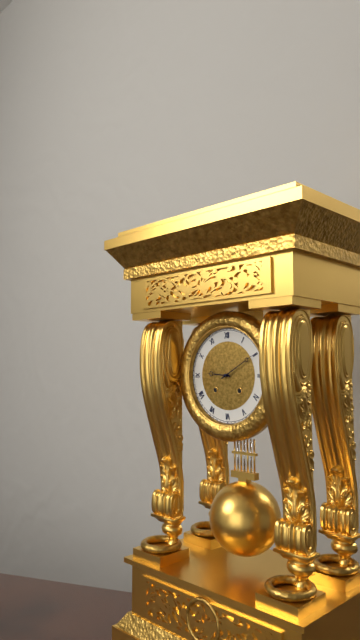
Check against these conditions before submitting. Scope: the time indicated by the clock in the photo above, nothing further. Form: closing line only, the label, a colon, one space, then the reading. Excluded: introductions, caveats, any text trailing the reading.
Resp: 9:10
